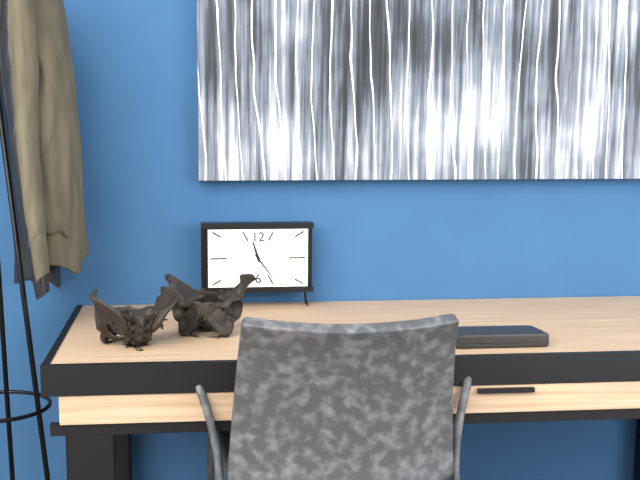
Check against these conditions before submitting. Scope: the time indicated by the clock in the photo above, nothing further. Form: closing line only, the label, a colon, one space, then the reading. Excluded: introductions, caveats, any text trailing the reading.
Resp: 11:24
